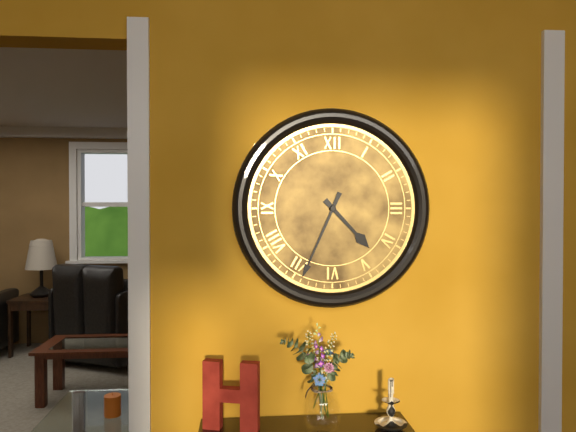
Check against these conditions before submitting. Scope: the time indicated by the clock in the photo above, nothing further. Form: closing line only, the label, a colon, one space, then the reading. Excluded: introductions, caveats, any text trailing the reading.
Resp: 4:34
